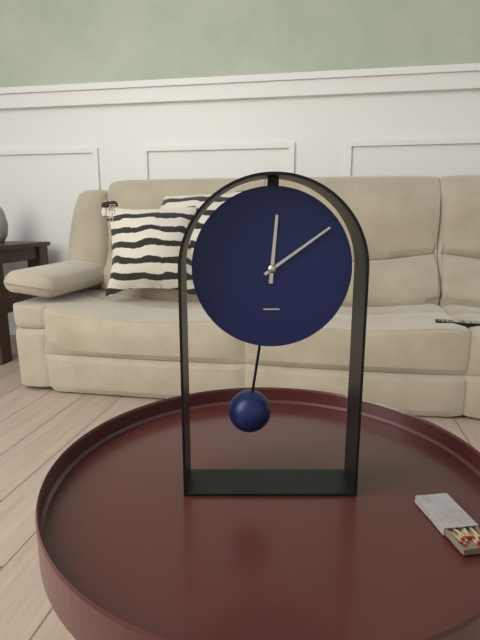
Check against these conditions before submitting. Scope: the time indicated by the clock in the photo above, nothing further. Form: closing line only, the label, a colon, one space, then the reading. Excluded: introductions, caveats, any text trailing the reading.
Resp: 12:09
